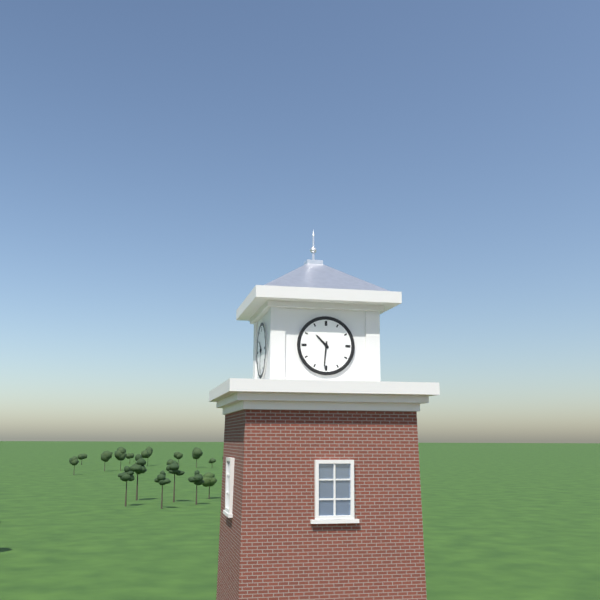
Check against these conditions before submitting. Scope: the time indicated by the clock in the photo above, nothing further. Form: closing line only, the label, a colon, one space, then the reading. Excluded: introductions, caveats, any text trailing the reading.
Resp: 10:31
